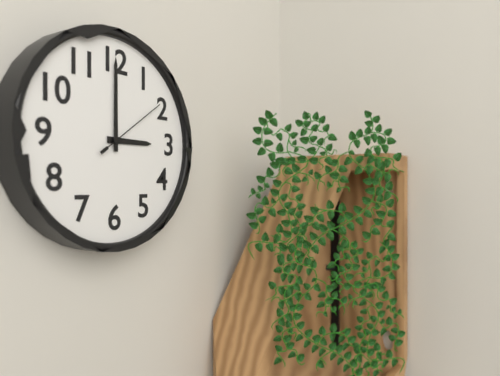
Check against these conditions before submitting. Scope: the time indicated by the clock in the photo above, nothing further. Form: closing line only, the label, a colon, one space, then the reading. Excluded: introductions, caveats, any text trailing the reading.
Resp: 3:00:09
